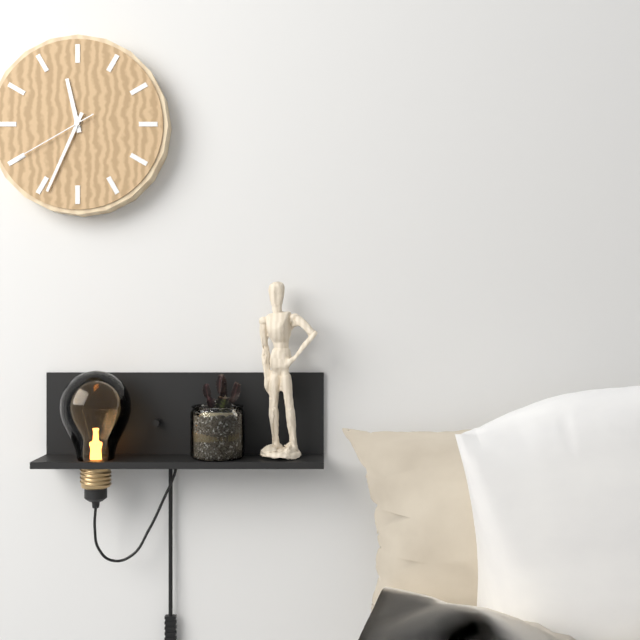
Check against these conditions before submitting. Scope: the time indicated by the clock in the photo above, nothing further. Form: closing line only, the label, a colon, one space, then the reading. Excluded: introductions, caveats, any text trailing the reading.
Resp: 11:34:40
